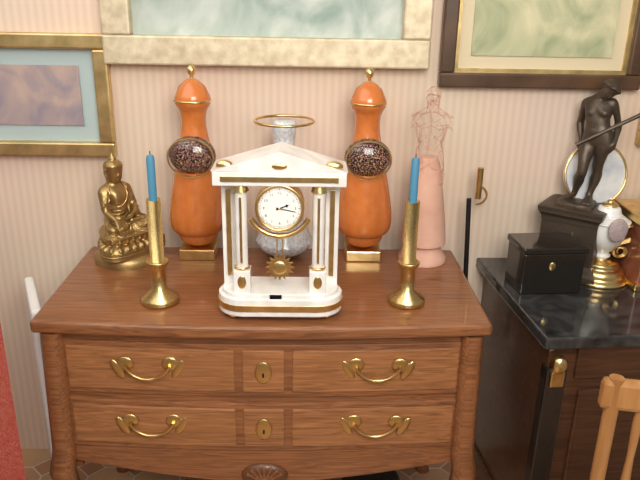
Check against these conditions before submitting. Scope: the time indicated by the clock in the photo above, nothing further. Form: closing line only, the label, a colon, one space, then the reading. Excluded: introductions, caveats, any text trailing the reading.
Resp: 2:17
